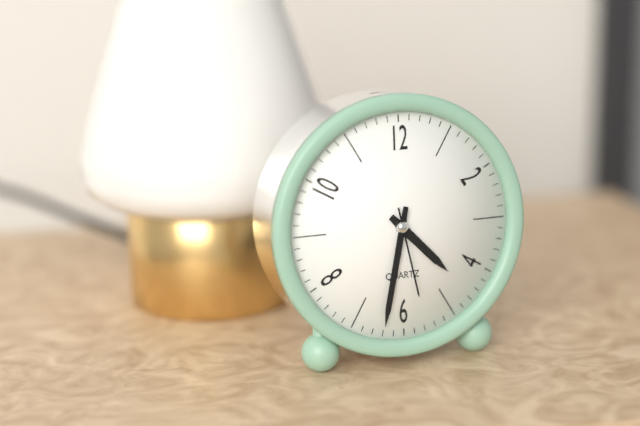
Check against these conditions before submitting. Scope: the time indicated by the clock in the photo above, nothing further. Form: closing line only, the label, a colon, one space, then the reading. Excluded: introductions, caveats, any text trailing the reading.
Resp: 4:32:28
